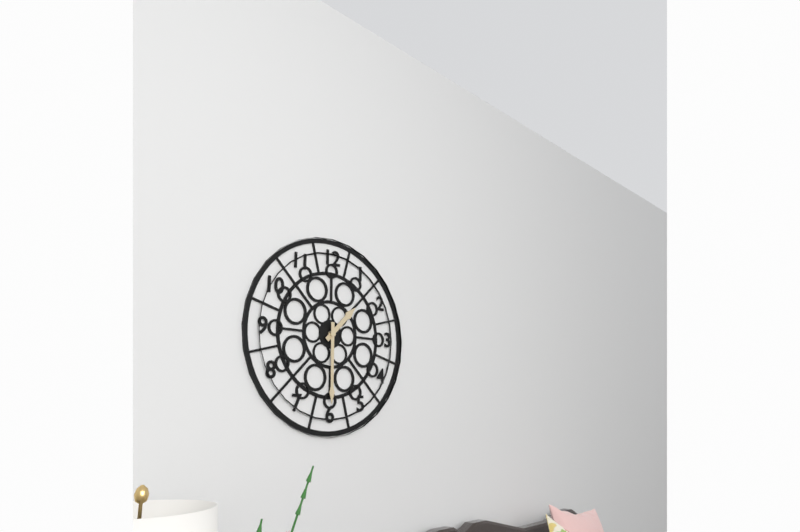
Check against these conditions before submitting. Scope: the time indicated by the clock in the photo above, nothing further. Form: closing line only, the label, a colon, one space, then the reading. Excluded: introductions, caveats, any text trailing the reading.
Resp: 1:30
